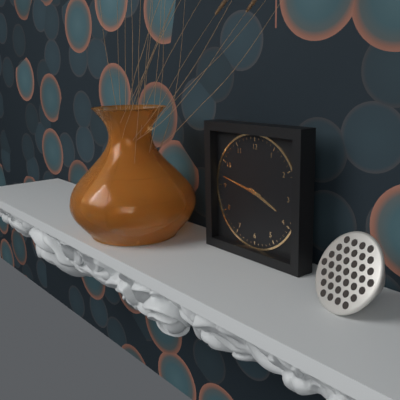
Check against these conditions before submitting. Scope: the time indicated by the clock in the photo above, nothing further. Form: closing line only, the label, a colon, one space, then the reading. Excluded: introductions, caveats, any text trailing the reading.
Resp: 3:47
